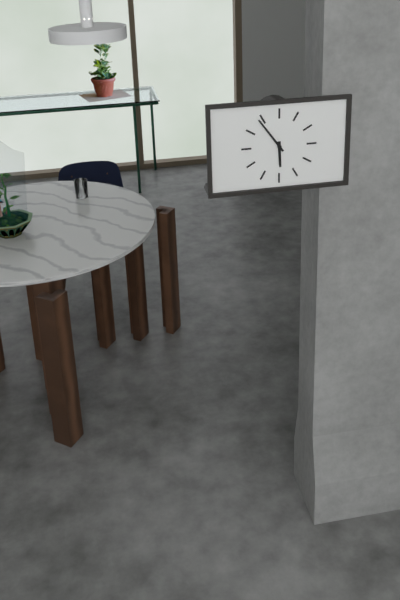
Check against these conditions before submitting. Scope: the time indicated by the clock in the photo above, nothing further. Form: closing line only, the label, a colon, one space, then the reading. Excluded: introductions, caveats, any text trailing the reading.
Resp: 5:54
